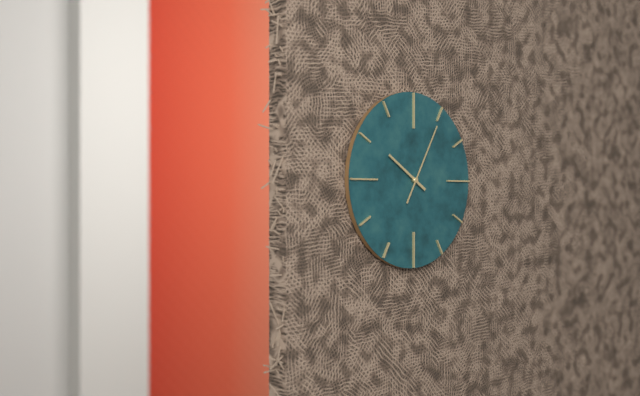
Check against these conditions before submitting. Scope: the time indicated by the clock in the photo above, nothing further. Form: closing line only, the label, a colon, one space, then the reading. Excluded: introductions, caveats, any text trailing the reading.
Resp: 10:05
